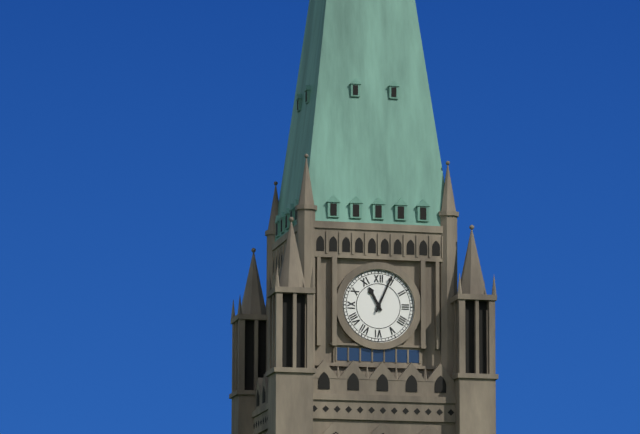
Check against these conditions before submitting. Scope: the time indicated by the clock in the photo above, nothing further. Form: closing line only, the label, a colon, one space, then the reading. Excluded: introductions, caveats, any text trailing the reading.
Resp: 11:04
